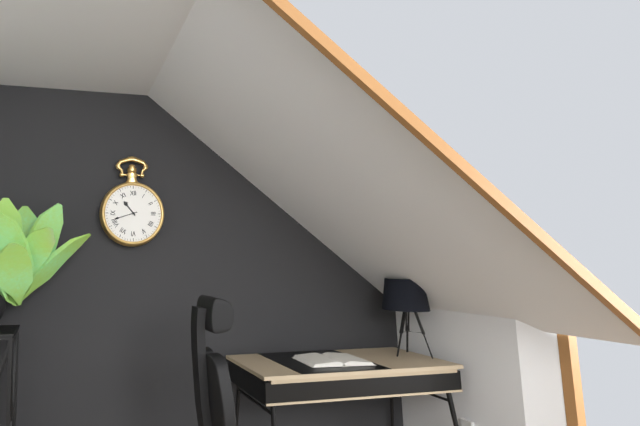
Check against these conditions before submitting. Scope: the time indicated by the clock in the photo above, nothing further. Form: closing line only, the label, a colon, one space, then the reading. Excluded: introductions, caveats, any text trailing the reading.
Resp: 10:42
